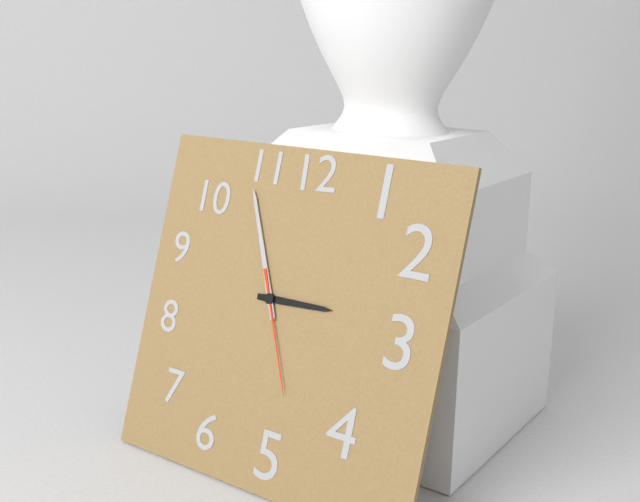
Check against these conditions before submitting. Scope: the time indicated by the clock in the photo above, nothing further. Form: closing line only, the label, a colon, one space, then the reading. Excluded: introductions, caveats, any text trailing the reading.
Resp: 2:56:26
